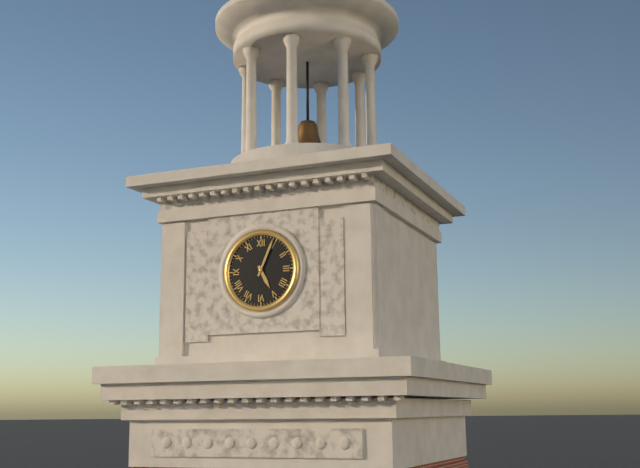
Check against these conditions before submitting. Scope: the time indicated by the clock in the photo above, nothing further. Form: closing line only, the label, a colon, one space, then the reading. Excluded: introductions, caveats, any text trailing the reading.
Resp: 5:04
